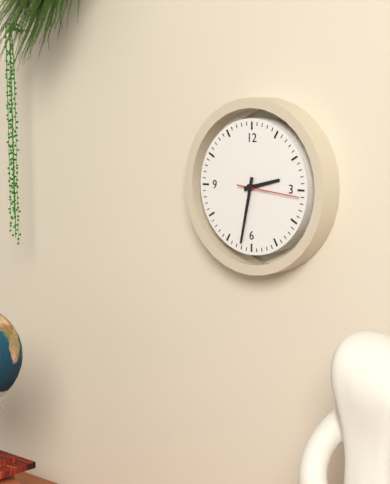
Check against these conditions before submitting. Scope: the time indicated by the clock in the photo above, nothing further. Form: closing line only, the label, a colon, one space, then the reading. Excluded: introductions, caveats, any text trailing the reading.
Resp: 2:32:16
